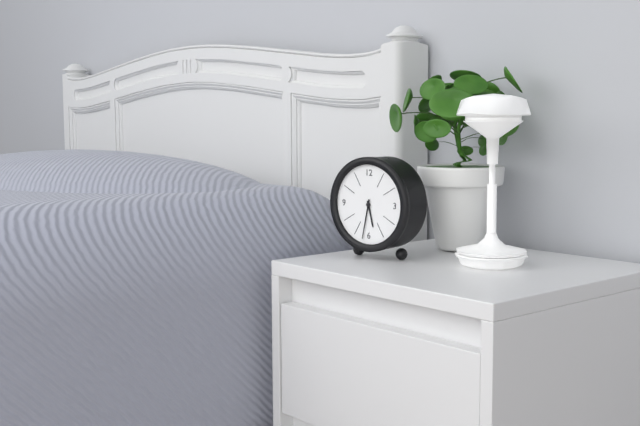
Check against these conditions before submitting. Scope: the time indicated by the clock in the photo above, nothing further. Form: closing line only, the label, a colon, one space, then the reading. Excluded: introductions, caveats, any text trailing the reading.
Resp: 5:32
